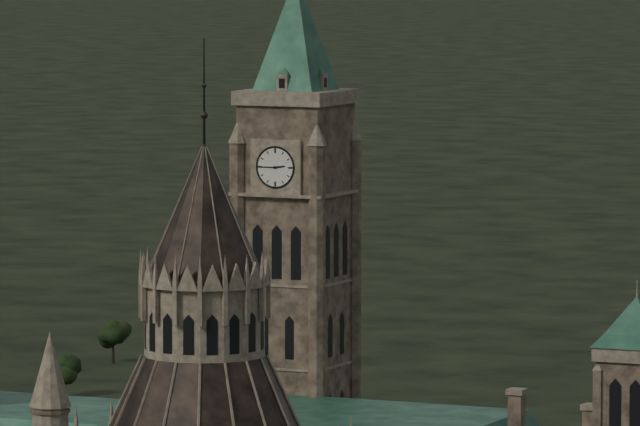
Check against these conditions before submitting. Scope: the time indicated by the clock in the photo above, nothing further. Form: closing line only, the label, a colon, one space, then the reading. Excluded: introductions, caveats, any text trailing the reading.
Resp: 2:45
